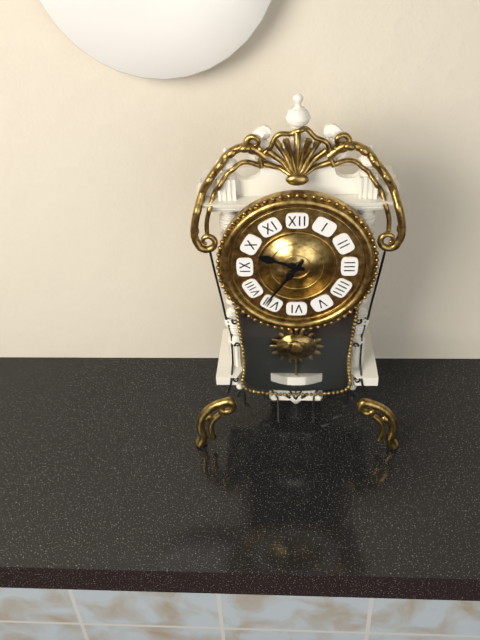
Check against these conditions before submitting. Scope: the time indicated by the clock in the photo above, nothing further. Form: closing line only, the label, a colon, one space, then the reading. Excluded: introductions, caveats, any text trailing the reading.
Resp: 9:36
